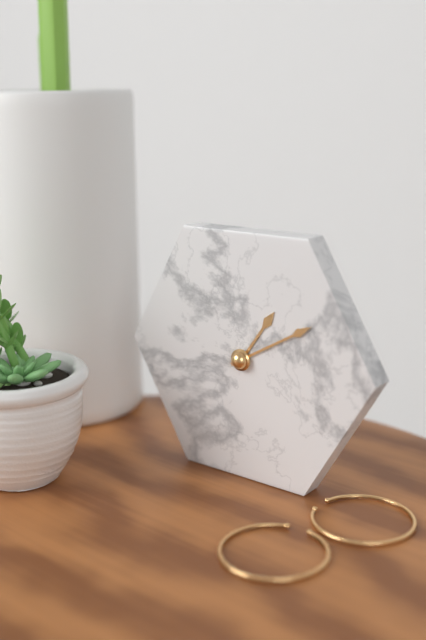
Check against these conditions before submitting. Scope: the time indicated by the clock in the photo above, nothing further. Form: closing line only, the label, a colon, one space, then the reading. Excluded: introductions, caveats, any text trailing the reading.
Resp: 1:10
